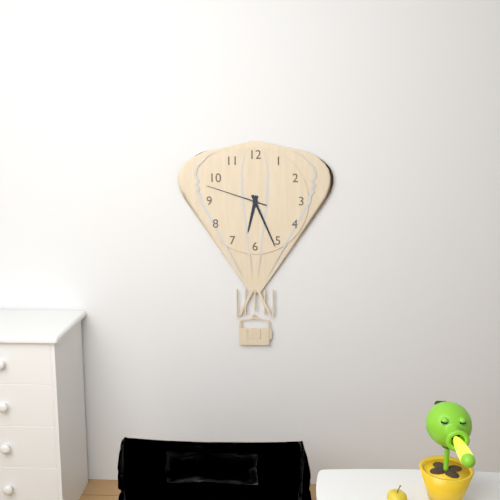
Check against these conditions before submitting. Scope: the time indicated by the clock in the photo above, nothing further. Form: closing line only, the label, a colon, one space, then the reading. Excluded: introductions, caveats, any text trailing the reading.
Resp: 6:26:48
